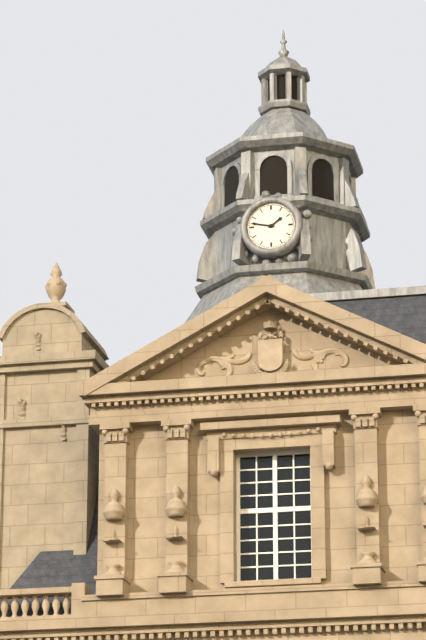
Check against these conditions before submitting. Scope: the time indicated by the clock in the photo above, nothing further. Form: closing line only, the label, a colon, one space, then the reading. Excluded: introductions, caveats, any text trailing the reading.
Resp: 1:47
